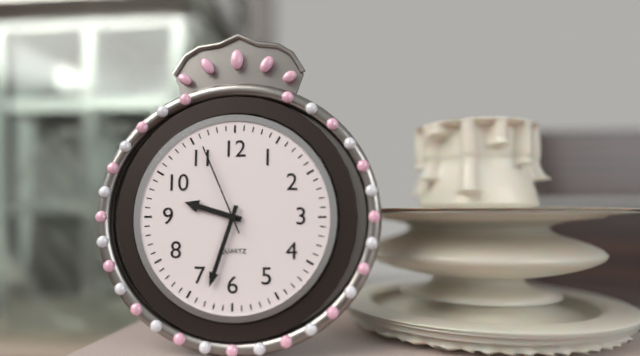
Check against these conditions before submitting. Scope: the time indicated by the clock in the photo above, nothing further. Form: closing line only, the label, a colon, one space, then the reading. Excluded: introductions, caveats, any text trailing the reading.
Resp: 9:33:56
